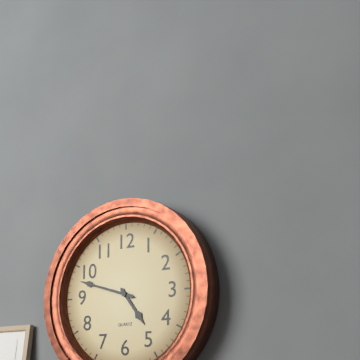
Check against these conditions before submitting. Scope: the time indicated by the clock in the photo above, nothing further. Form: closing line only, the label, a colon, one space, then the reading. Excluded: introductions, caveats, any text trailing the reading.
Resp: 4:48
